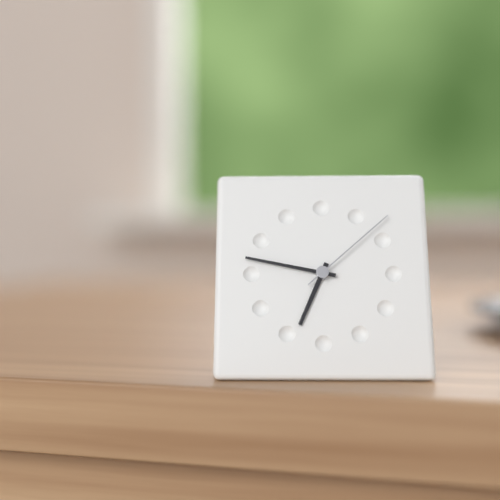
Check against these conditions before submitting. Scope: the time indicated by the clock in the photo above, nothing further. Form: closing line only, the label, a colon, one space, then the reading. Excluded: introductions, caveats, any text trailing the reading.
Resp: 6:47:08
